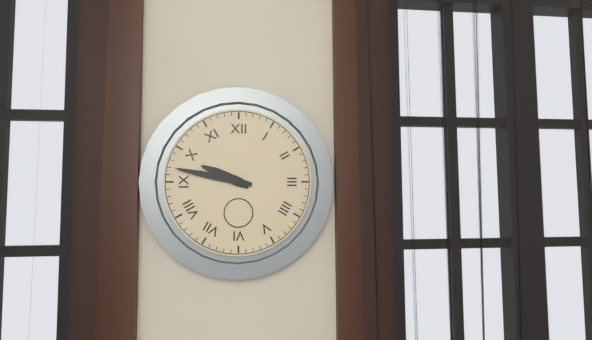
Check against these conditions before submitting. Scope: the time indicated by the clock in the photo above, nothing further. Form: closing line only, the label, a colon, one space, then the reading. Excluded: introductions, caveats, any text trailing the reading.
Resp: 9:47
